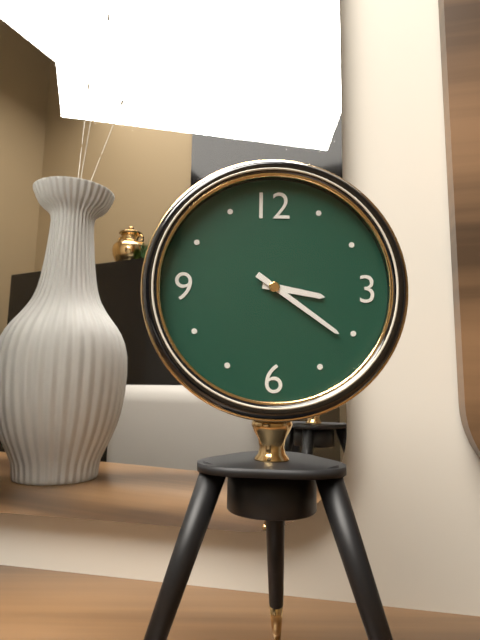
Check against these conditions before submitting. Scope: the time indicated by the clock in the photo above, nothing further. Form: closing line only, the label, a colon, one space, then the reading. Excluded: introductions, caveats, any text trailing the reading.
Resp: 3:21
